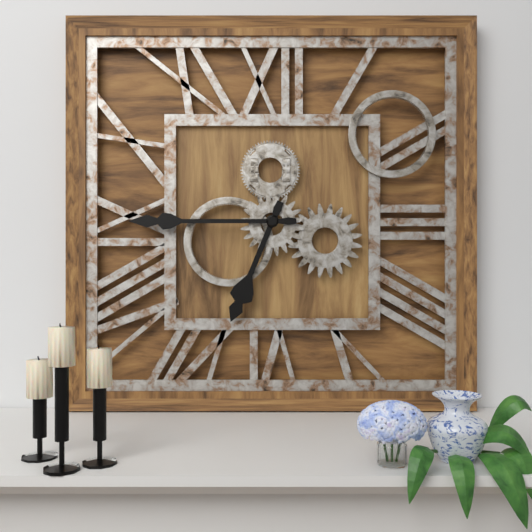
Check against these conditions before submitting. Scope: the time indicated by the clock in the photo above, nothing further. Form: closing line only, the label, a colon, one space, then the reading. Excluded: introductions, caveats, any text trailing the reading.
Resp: 6:45
